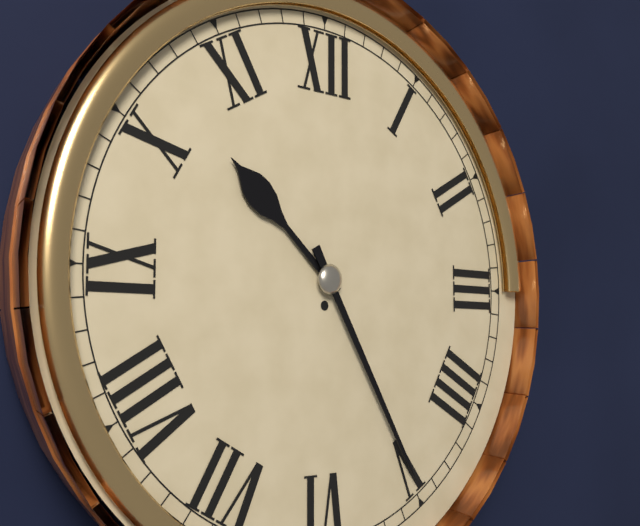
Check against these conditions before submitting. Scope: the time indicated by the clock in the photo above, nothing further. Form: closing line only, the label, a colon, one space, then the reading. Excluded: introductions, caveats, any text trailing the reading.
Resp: 10:25
